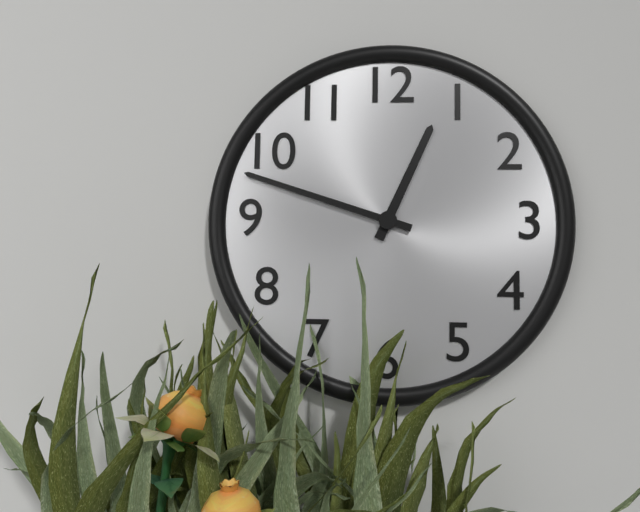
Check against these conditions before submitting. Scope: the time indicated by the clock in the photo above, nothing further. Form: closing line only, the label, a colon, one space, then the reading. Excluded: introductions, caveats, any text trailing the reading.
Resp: 12:48
